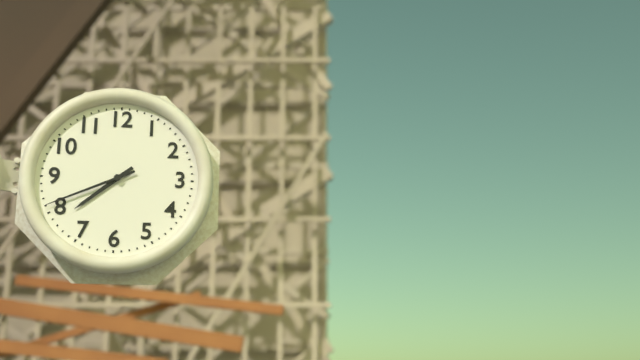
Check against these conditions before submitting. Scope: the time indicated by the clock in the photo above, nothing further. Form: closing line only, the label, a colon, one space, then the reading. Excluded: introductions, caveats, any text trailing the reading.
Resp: 7:41
